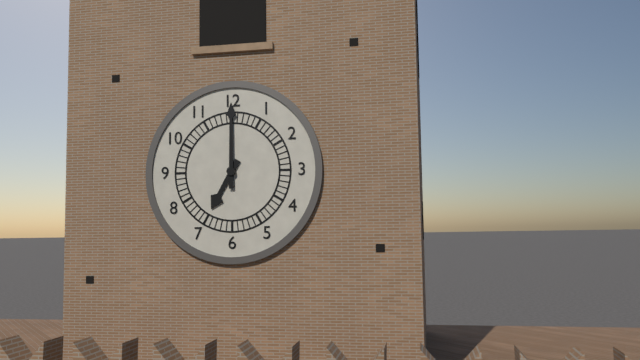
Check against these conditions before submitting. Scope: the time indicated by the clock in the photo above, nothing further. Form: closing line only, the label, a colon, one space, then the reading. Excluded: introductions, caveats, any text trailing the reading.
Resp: 7:00
